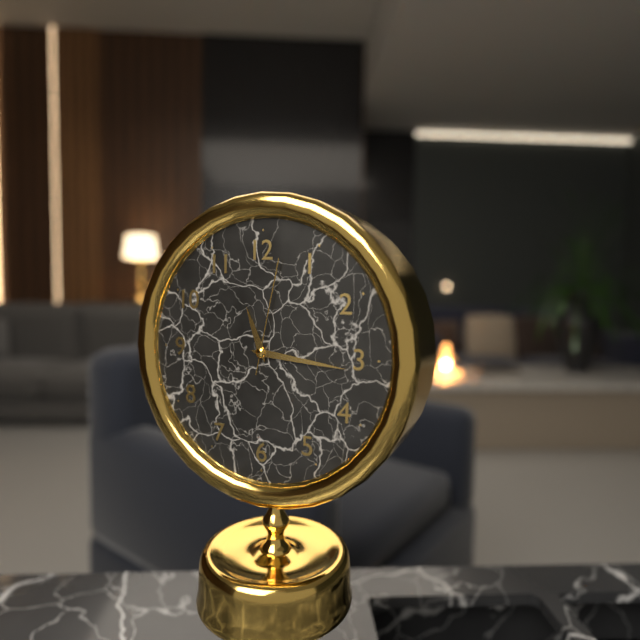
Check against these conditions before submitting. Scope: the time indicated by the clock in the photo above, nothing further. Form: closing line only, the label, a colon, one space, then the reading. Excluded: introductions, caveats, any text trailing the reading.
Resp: 11:16:02
